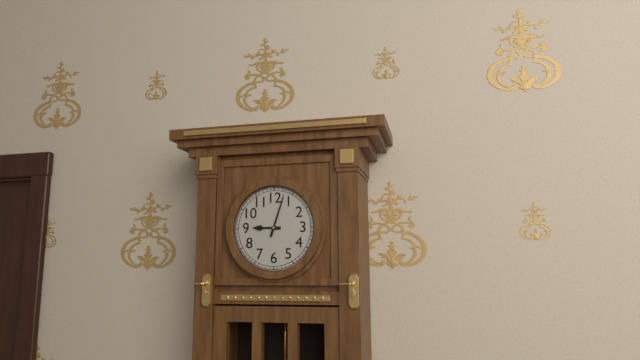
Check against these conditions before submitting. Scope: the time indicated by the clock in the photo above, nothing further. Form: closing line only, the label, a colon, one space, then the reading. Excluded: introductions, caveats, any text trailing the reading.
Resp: 9:03
